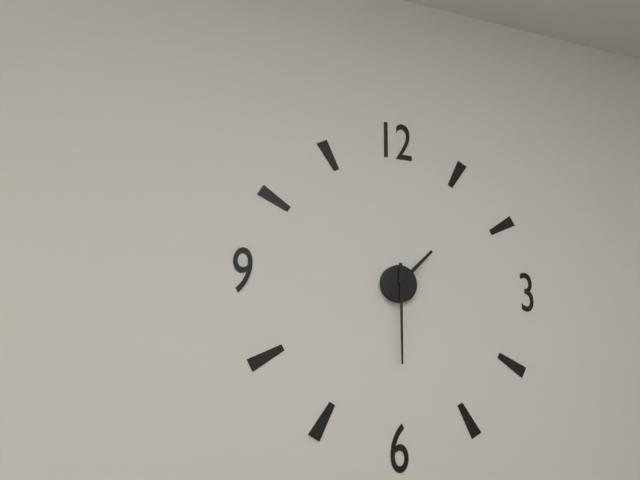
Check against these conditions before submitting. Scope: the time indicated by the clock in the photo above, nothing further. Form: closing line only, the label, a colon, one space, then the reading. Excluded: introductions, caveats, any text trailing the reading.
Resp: 1:30
